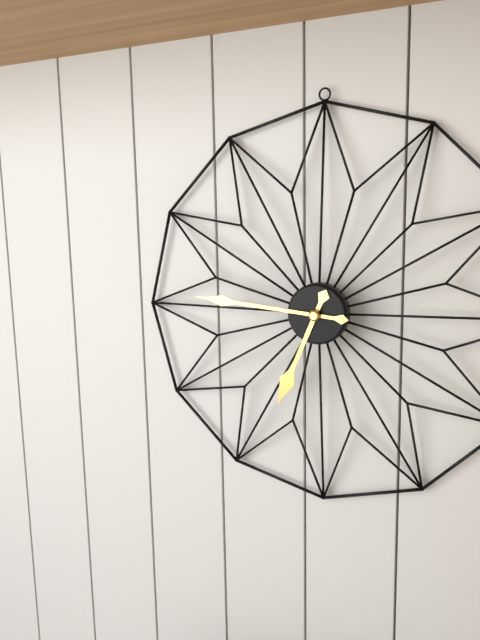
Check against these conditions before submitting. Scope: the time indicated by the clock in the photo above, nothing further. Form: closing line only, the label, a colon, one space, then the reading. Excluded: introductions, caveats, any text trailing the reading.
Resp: 6:46
